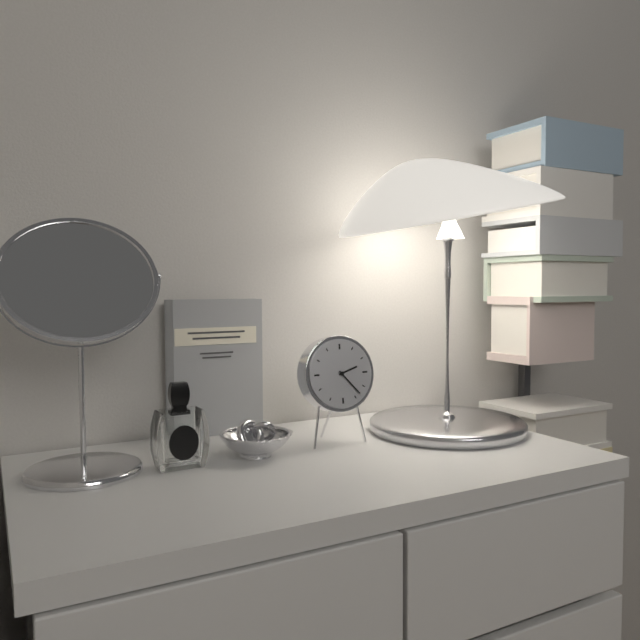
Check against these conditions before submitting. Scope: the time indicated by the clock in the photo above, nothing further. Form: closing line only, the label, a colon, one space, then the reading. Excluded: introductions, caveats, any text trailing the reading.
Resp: 2:23
